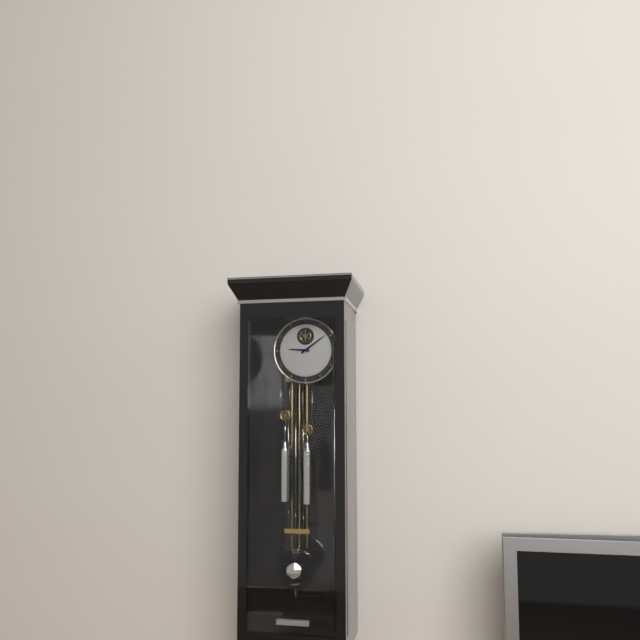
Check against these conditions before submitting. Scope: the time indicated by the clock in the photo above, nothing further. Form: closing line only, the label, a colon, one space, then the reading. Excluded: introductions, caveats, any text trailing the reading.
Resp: 9:09
